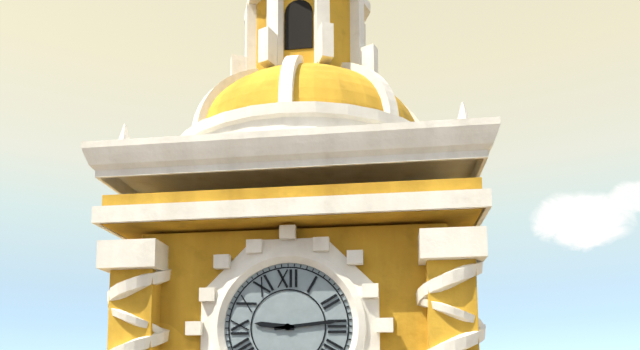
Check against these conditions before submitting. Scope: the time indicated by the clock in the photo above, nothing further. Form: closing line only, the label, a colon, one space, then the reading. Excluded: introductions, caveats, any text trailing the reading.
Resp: 9:14
